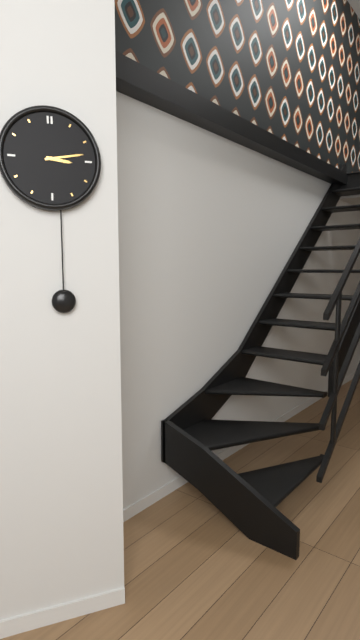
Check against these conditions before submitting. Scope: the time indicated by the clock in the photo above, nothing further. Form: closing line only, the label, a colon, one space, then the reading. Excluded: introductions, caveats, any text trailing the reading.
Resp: 3:13
